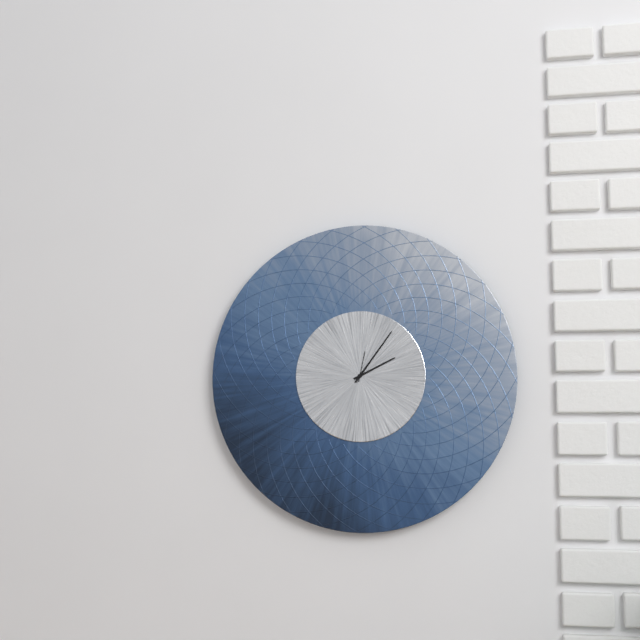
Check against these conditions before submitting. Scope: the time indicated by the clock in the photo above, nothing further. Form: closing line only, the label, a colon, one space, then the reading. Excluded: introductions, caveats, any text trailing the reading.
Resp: 2:06
